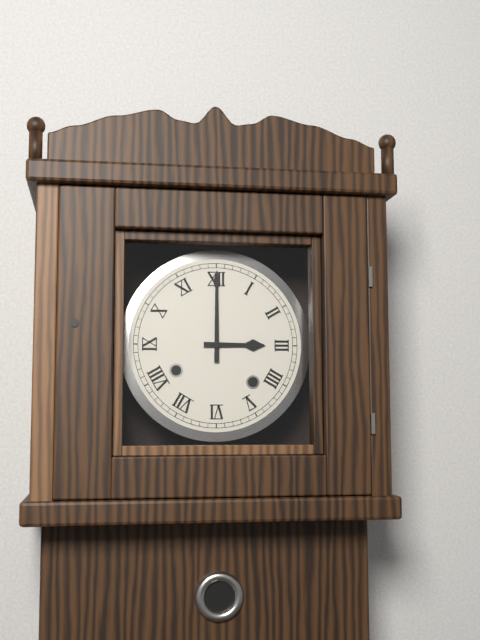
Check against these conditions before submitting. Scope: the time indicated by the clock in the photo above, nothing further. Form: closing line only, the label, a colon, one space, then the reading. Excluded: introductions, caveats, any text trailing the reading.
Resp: 3:00
